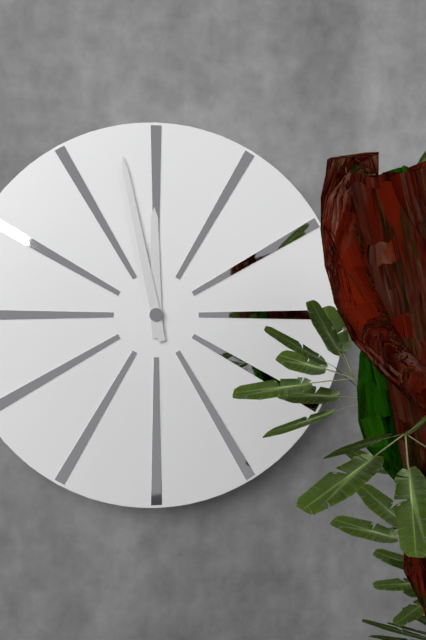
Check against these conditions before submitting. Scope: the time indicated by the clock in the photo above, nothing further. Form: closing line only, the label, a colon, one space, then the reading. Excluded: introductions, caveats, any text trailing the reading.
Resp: 11:58
